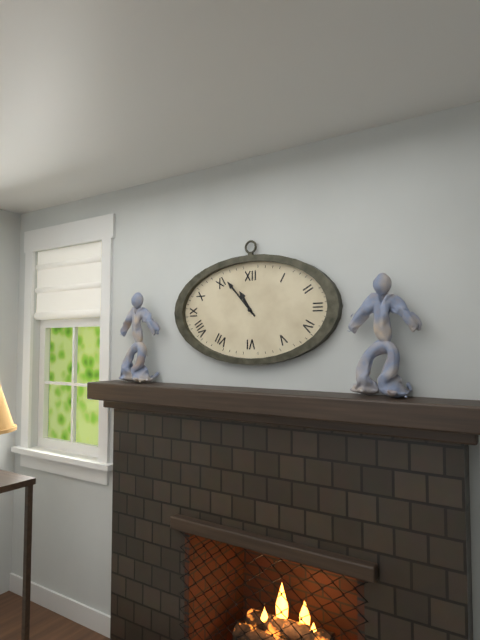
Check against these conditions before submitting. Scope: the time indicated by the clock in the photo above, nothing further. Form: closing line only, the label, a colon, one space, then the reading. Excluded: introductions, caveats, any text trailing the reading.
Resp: 10:53
